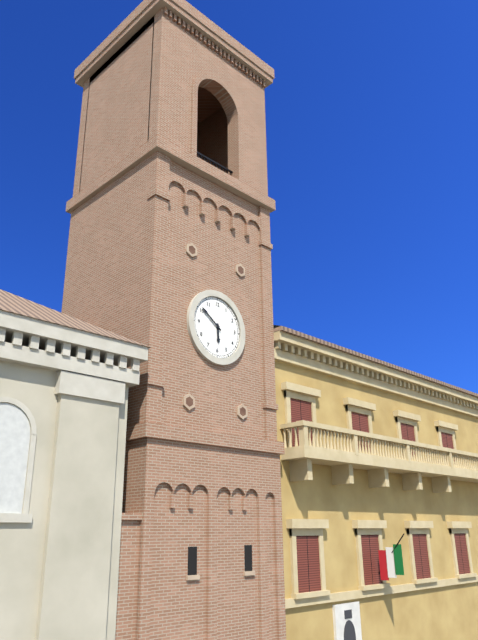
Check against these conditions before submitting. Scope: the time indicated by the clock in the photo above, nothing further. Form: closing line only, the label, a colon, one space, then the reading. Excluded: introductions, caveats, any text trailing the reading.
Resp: 5:51
